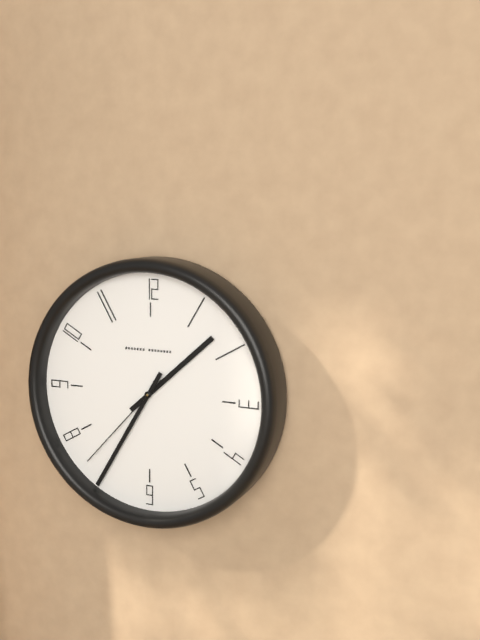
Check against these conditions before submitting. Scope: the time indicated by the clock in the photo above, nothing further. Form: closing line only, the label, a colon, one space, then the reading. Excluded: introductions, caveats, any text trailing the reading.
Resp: 1:35:37
